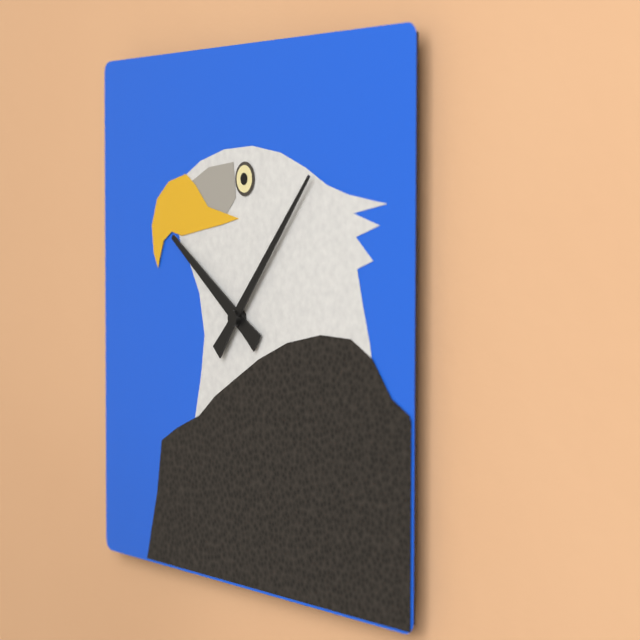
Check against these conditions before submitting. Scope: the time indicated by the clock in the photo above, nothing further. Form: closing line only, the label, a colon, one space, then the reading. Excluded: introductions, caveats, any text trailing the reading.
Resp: 10:07
